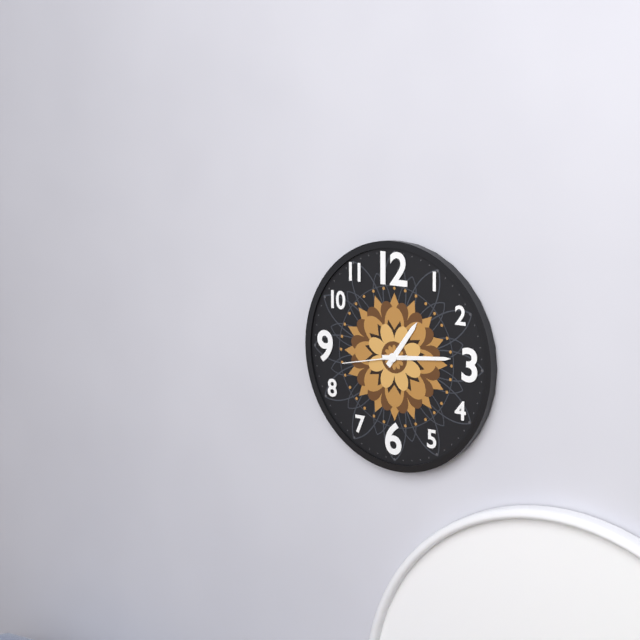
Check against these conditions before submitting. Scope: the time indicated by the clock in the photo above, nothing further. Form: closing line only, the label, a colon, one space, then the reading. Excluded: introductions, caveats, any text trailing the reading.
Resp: 1:14:43
